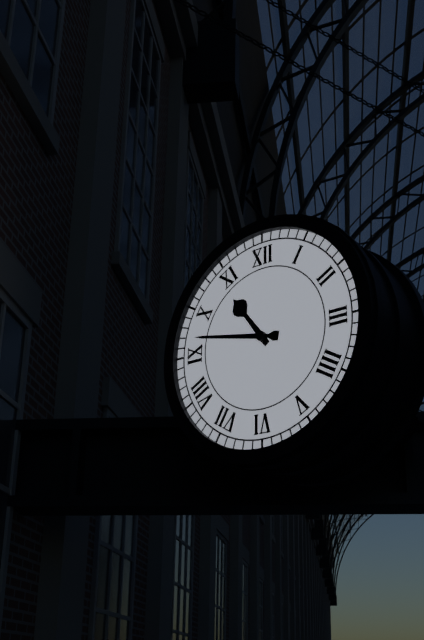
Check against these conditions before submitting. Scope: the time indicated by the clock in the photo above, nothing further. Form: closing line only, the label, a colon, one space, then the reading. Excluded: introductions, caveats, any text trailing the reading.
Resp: 10:47
